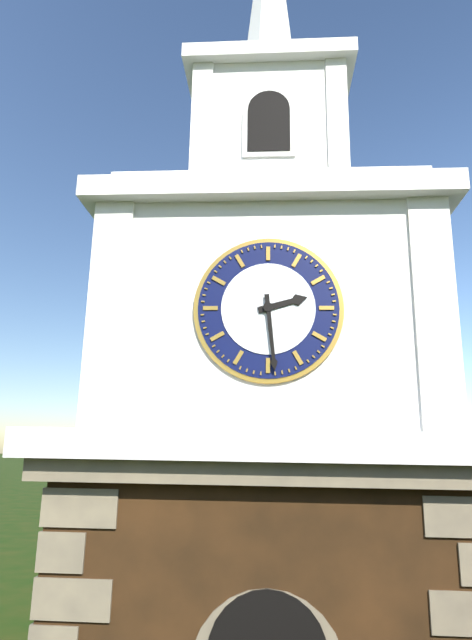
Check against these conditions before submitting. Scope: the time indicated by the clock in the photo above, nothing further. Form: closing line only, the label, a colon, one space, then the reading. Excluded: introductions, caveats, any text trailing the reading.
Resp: 2:29
